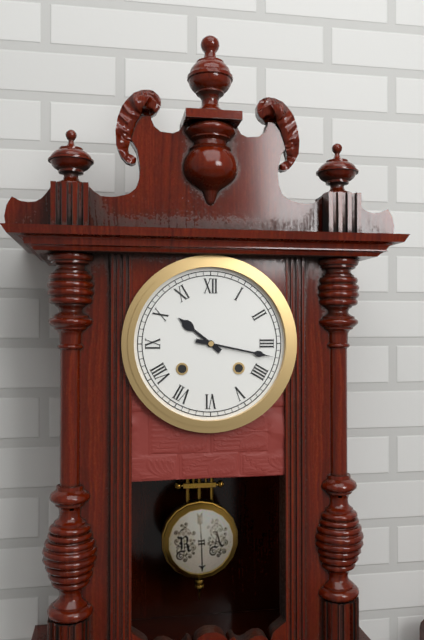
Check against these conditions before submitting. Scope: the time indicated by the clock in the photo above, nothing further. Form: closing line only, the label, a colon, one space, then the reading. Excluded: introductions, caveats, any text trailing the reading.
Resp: 10:17
